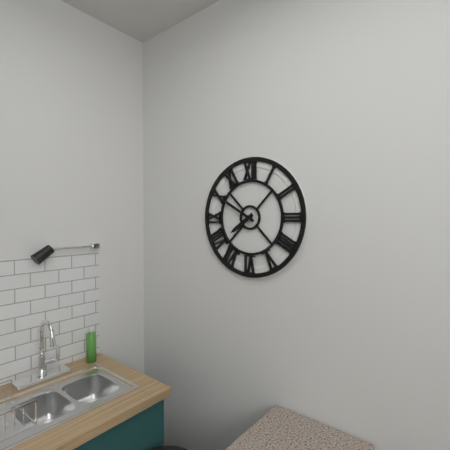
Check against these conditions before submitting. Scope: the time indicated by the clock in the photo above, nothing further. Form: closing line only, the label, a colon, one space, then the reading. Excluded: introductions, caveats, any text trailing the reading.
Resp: 7:50
